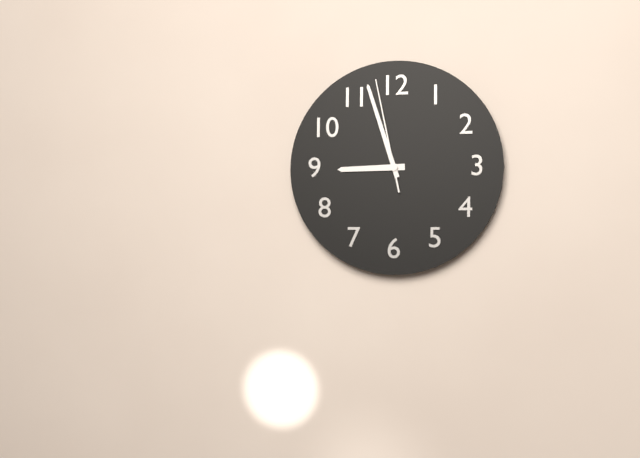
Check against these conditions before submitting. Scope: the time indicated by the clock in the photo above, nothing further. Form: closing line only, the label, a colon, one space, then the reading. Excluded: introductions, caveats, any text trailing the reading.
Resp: 8:57:58
